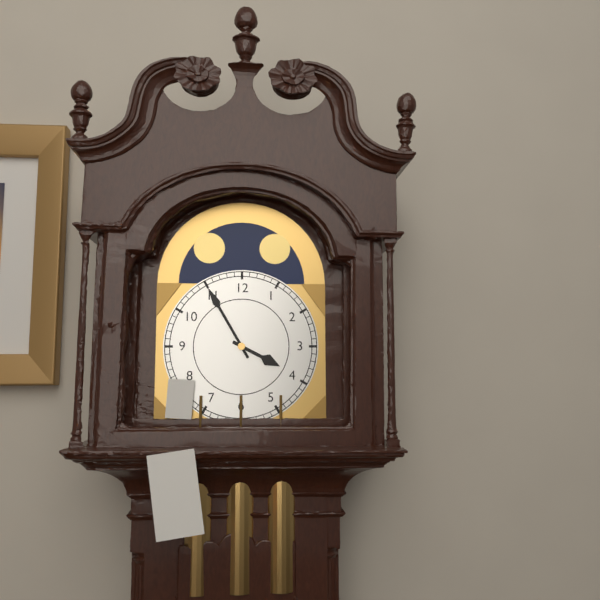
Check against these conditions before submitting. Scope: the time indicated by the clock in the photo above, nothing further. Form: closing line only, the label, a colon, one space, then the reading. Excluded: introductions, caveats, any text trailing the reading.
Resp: 3:55
